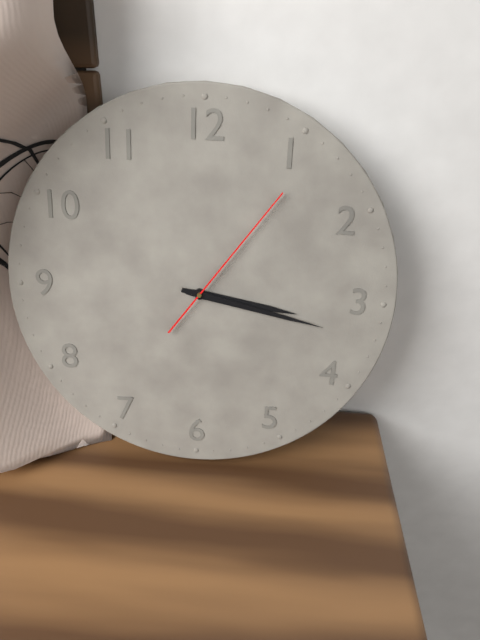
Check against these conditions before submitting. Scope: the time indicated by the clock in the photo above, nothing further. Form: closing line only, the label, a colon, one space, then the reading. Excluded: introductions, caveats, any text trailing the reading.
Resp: 3:17:06
